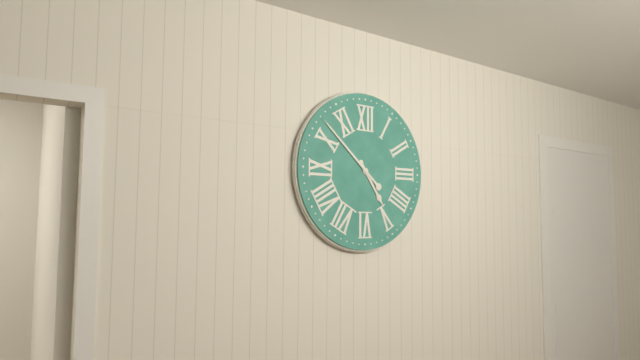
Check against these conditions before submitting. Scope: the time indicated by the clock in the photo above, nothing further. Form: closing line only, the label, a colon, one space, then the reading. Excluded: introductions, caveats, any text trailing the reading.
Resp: 4:52
